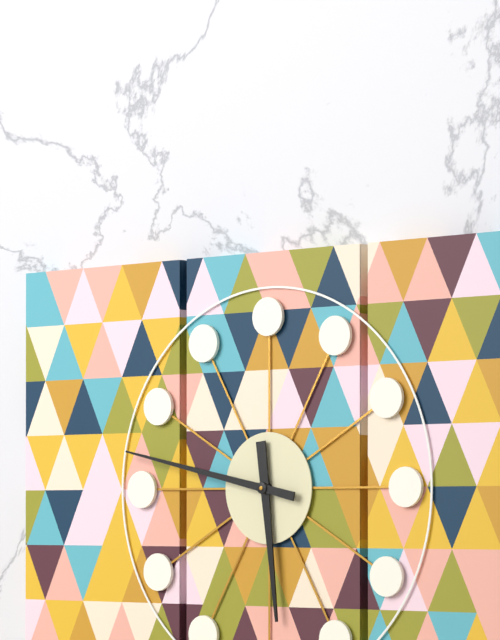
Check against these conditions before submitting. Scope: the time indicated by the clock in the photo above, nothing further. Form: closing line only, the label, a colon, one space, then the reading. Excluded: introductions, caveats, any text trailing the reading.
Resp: 5:47
